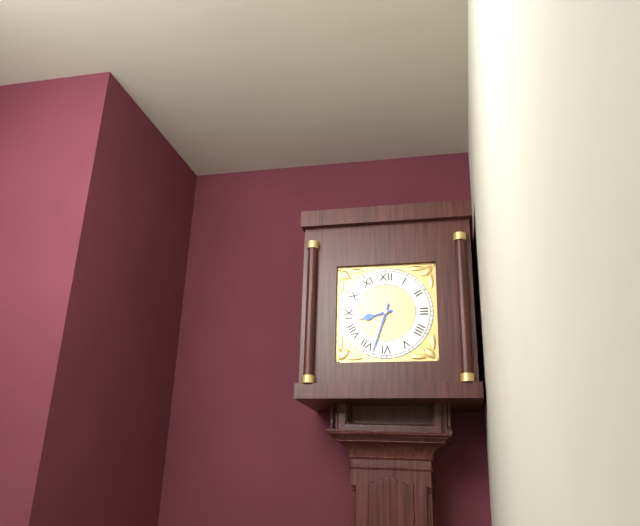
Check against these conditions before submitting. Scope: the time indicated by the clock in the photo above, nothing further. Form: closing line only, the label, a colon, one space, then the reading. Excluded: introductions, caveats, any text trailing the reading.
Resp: 8:33
